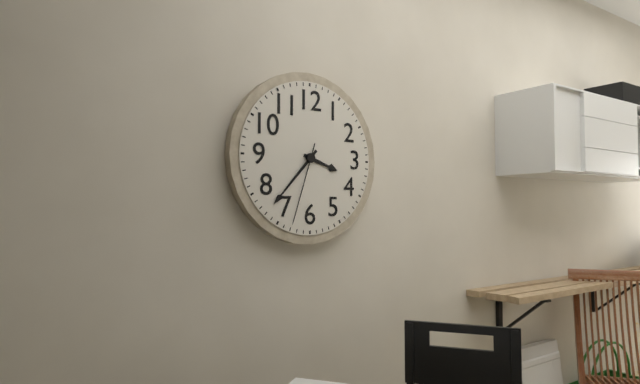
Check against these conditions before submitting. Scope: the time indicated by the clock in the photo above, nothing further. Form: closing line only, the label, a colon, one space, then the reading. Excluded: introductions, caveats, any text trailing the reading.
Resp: 3:37:33
